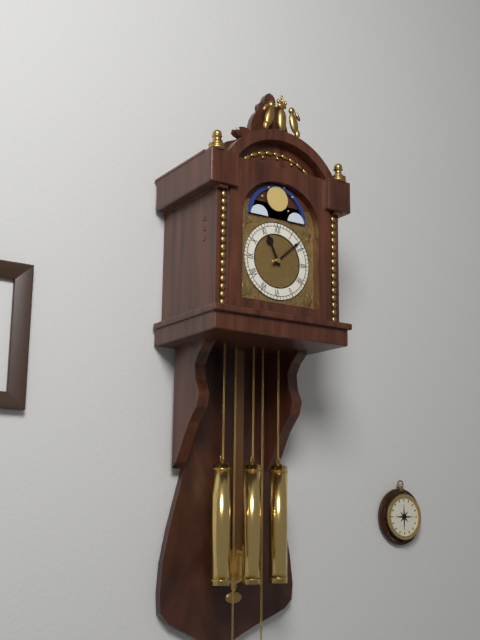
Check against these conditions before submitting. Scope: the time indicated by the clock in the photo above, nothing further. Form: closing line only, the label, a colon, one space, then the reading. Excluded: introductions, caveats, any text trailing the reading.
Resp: 11:08
